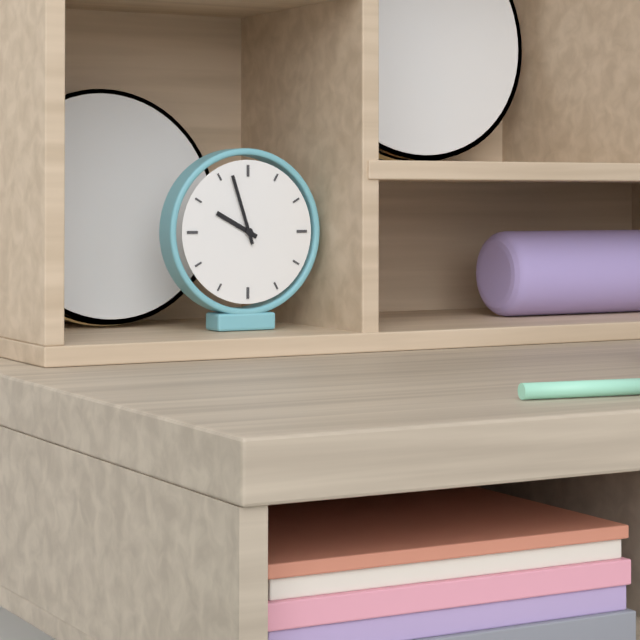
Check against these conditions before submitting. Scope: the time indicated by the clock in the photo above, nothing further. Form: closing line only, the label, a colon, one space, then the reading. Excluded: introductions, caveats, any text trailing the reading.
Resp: 9:57
